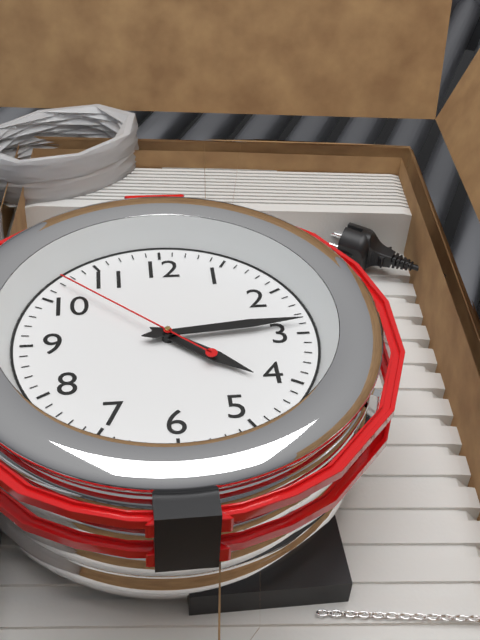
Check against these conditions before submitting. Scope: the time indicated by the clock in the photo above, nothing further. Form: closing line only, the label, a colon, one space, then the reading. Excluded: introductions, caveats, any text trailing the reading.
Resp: 4:14:52
